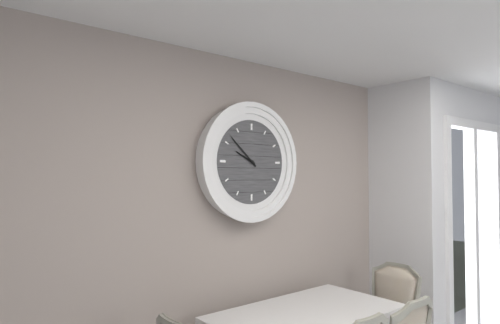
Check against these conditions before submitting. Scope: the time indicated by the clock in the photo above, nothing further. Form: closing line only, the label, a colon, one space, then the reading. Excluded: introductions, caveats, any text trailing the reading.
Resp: 9:52
